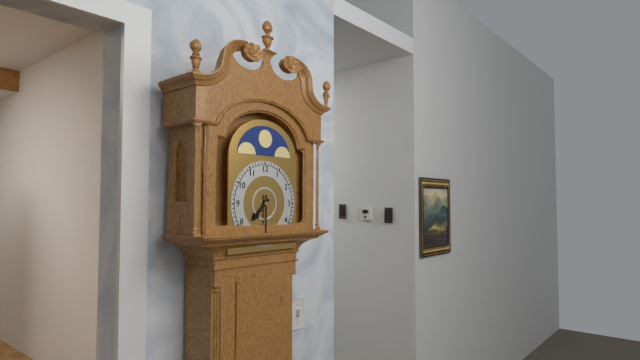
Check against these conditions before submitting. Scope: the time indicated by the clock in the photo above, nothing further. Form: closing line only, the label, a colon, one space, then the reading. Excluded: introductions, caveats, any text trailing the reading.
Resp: 7:30
